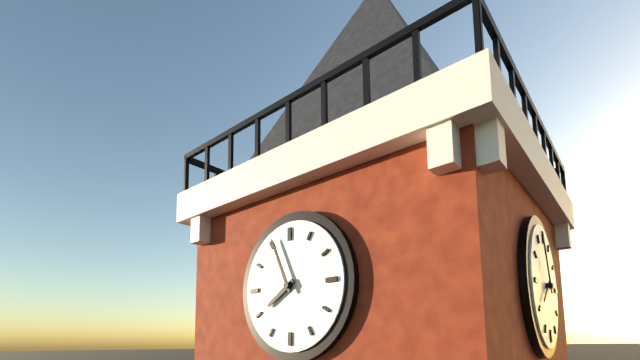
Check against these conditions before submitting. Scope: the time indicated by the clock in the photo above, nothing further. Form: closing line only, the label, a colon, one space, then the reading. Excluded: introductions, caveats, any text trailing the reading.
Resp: 7:56
